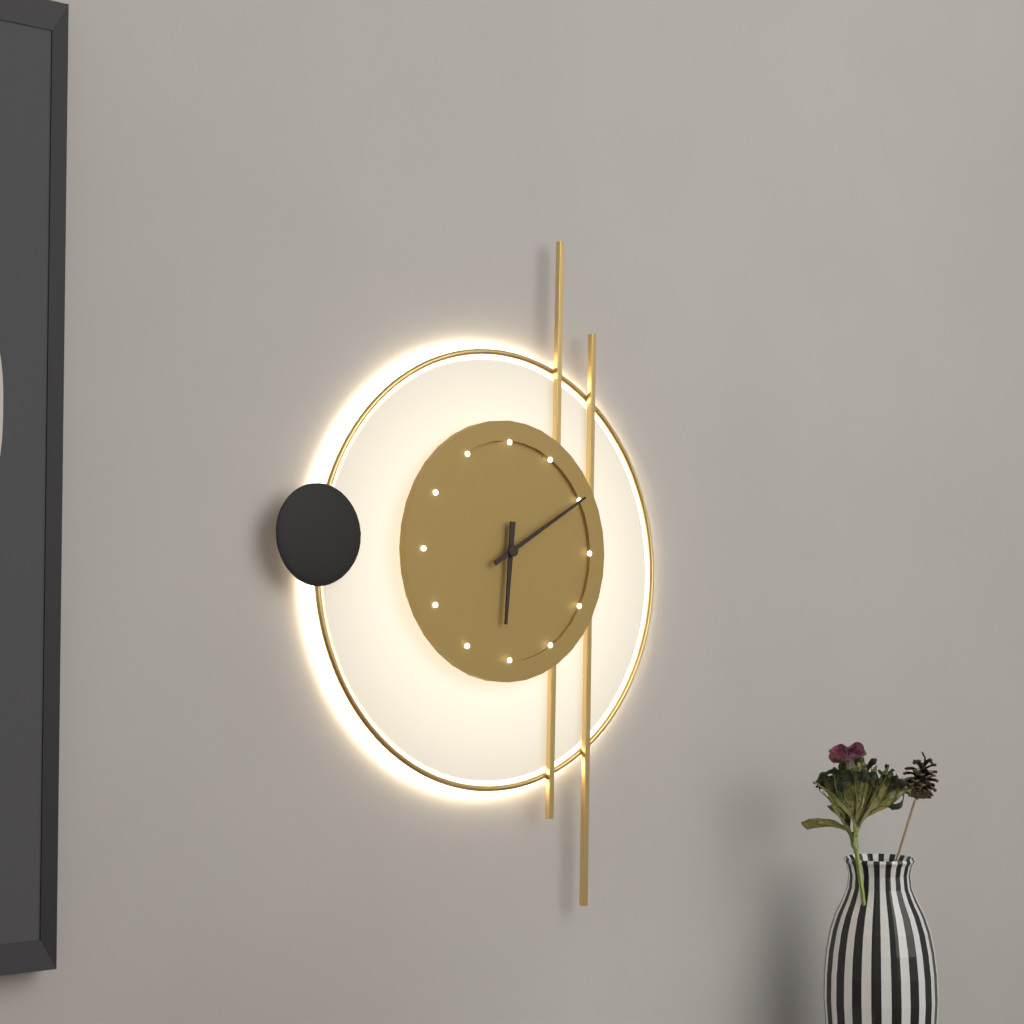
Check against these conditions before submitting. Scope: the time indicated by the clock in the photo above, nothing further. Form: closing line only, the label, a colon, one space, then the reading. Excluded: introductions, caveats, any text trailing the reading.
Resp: 6:10
